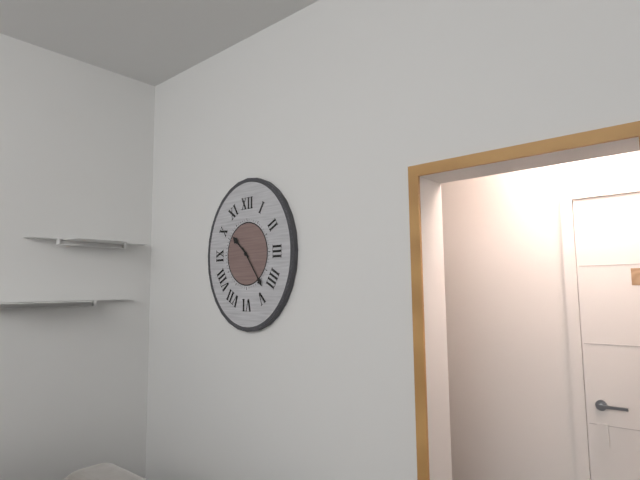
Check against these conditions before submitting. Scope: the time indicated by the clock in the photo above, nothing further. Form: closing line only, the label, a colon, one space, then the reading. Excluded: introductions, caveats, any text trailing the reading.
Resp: 10:24
